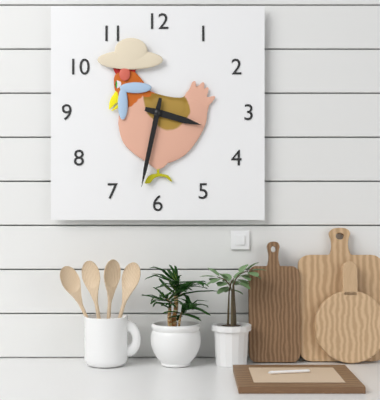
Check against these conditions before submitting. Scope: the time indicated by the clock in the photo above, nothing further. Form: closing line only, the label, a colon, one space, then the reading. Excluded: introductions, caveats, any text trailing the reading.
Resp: 3:32
